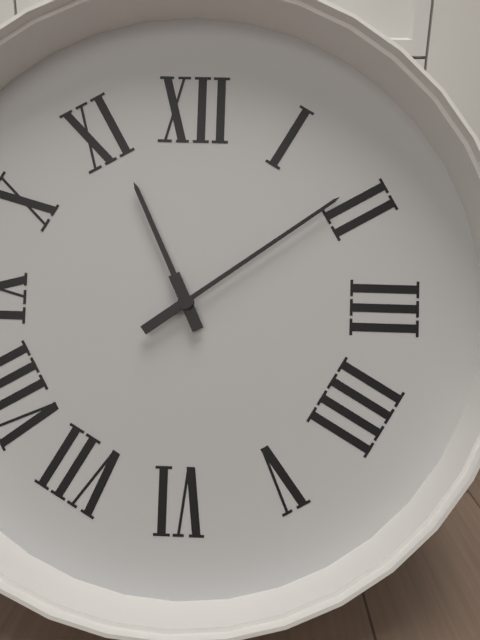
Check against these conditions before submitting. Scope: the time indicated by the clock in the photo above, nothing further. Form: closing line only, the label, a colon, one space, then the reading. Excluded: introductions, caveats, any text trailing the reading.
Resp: 11:09
